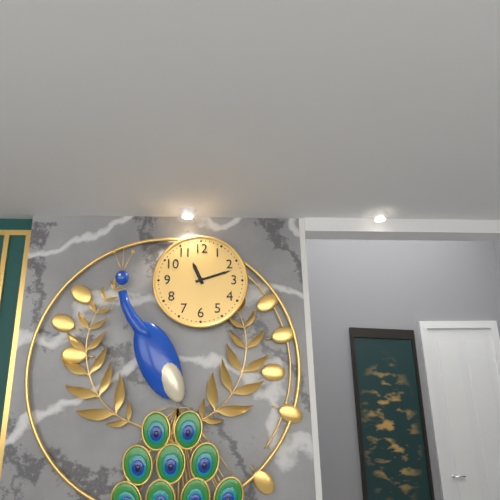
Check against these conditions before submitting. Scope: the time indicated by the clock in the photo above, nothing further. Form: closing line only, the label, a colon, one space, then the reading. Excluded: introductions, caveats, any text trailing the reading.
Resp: 11:12
